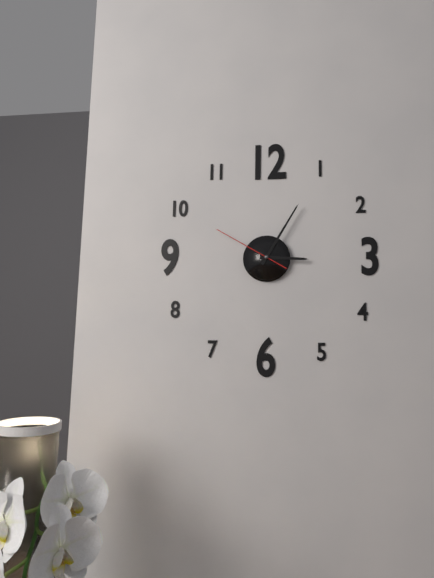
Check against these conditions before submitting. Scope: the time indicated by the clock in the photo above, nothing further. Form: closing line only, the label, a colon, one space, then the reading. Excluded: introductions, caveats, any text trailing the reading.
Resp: 3:05:50
